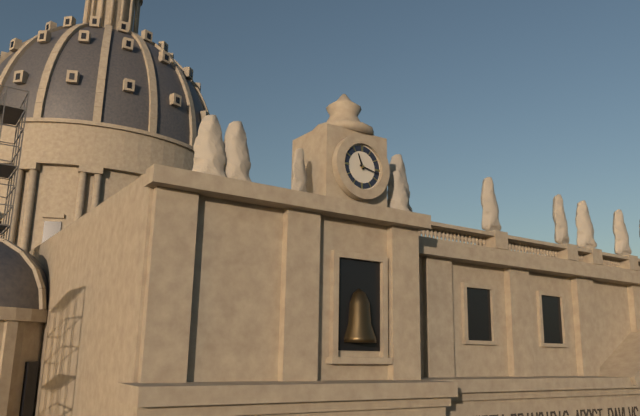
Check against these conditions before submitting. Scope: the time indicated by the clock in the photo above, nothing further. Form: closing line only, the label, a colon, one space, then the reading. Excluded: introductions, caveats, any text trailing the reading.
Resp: 11:17
